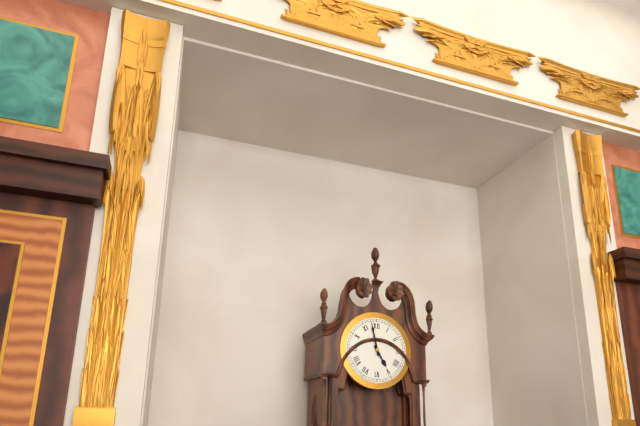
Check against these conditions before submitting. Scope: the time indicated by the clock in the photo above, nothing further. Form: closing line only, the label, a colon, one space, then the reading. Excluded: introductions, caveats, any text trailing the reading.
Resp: 4:58
